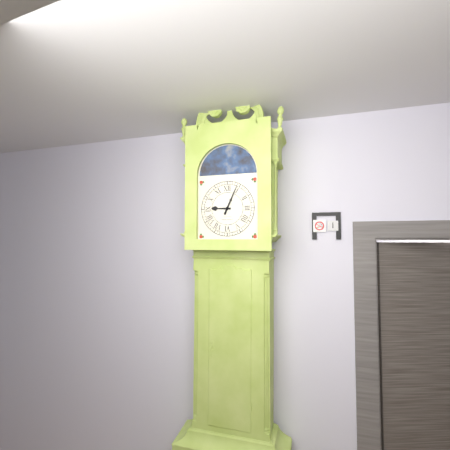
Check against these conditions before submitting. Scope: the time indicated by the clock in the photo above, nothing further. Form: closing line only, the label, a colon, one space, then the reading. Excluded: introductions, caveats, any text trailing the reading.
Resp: 9:04
